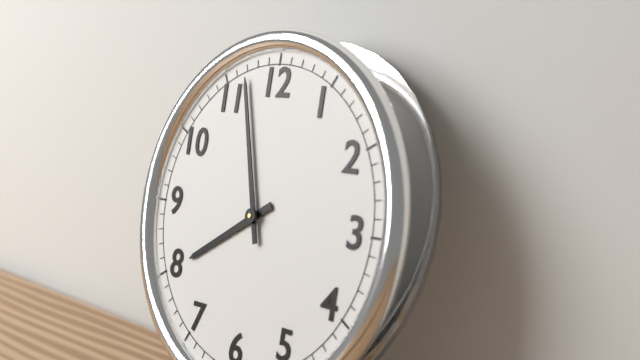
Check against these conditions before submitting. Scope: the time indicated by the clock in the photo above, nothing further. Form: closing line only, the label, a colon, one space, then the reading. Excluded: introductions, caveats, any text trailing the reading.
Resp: 7:57
